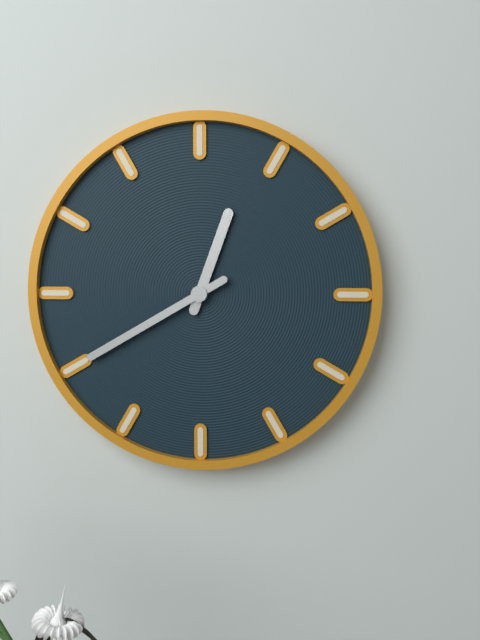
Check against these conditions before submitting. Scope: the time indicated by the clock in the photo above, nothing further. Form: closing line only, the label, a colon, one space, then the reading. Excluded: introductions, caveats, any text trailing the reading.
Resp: 12:40
